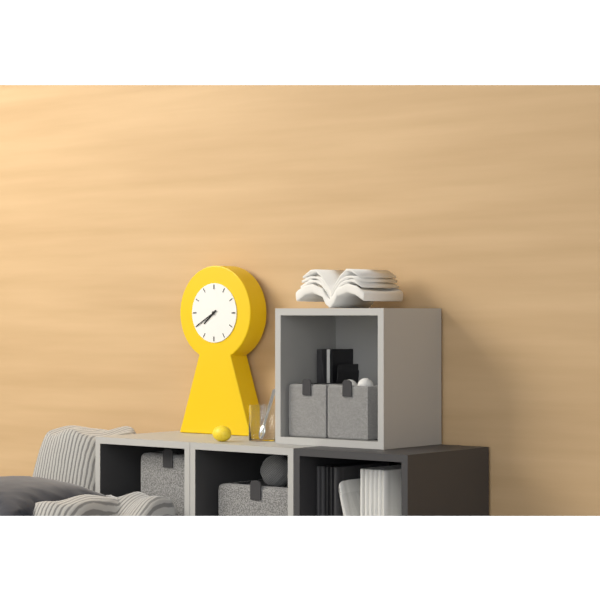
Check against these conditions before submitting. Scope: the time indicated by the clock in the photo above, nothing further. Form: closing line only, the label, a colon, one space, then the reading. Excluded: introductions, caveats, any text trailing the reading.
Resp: 7:40
